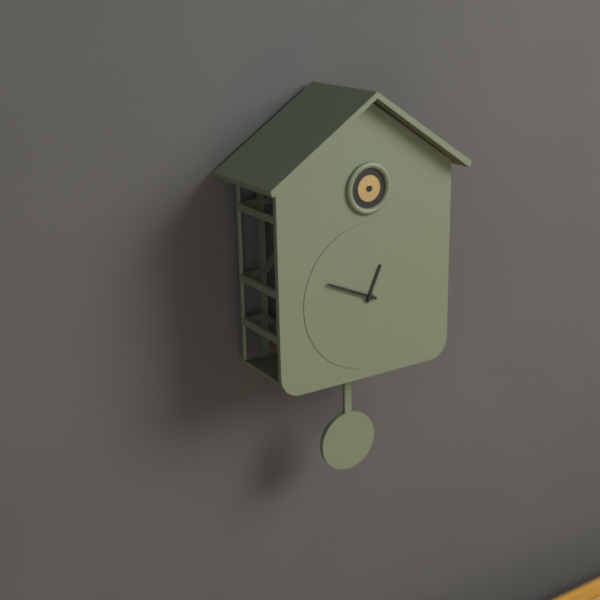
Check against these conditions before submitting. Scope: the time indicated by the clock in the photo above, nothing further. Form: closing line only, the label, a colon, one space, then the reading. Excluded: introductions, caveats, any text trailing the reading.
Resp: 12:49
